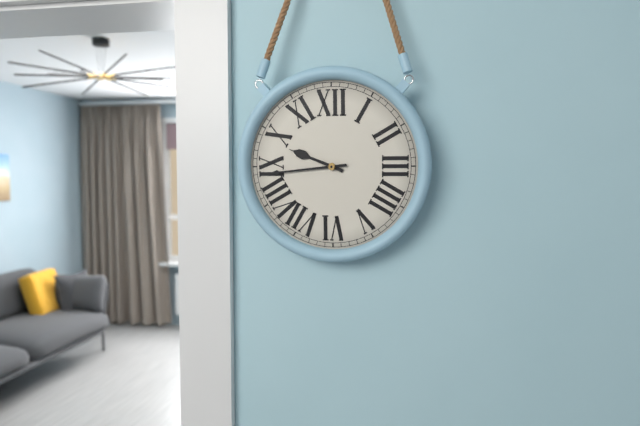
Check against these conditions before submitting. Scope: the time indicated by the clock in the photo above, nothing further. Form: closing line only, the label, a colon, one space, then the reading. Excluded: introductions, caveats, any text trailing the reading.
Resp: 9:44
